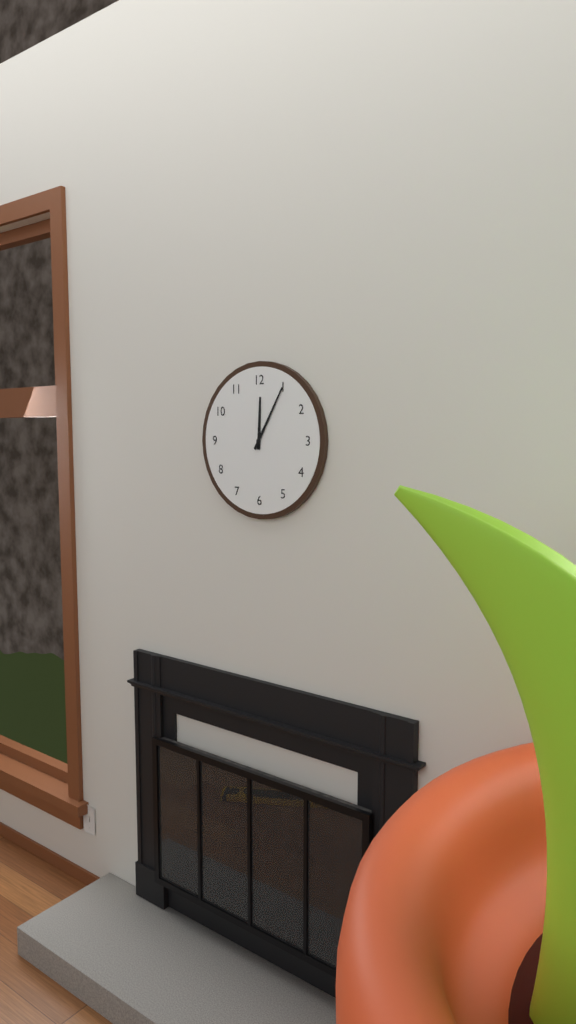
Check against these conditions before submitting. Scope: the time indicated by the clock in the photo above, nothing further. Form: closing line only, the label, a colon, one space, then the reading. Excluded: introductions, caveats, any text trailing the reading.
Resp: 12:05
